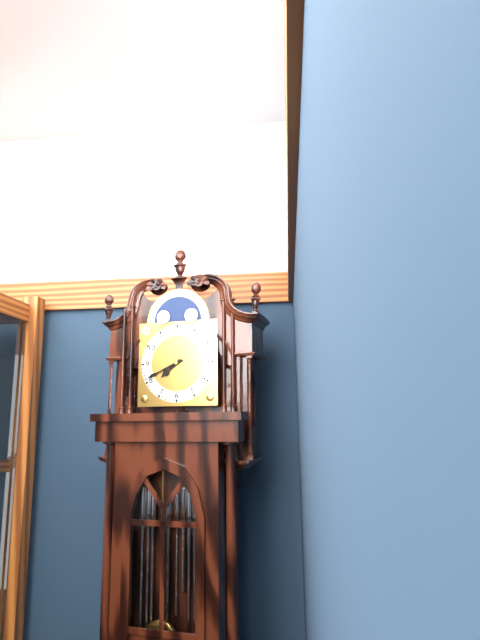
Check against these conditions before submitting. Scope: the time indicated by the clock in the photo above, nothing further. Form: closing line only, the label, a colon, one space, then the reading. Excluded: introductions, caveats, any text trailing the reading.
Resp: 7:41
